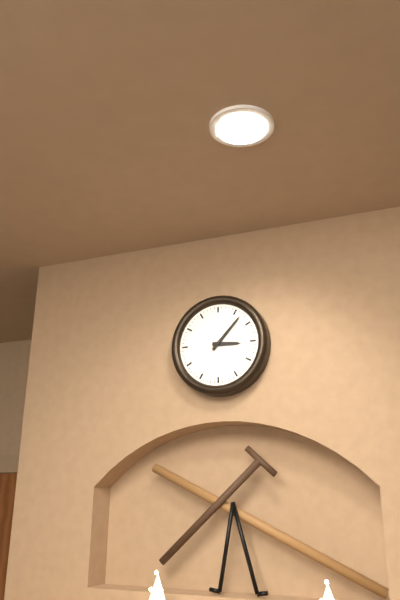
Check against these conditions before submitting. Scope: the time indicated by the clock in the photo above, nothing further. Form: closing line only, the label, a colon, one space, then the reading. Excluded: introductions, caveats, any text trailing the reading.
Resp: 3:07
